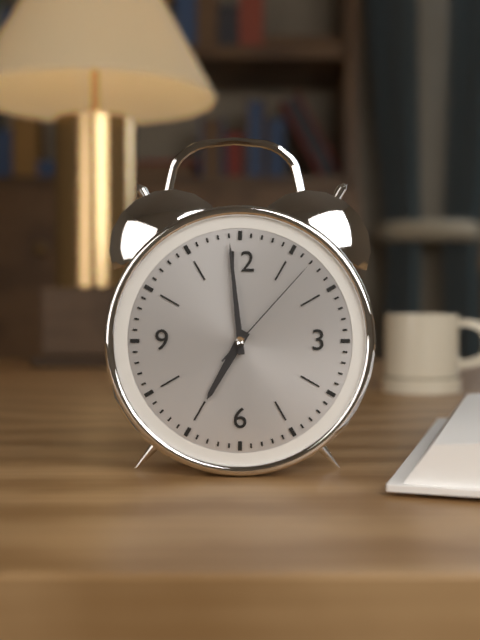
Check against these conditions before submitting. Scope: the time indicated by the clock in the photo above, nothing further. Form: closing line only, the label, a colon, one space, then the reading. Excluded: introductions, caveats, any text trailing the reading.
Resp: 6:59:07
